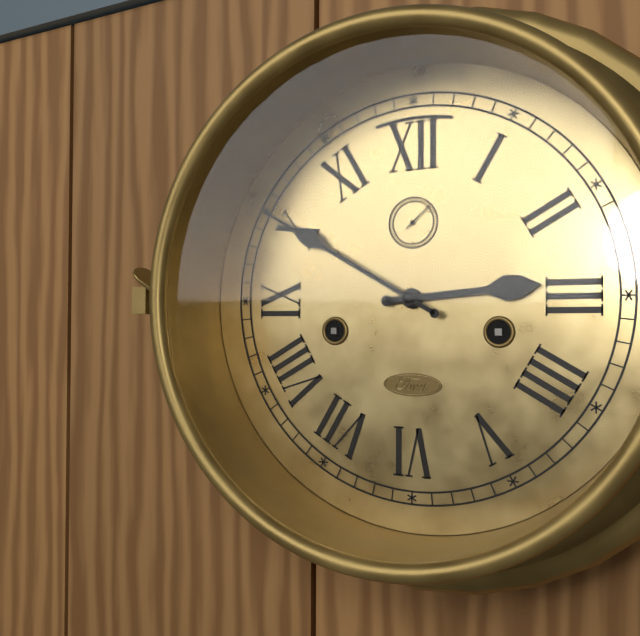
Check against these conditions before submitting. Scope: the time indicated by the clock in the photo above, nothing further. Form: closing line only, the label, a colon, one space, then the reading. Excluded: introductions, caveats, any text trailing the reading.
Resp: 2:50
